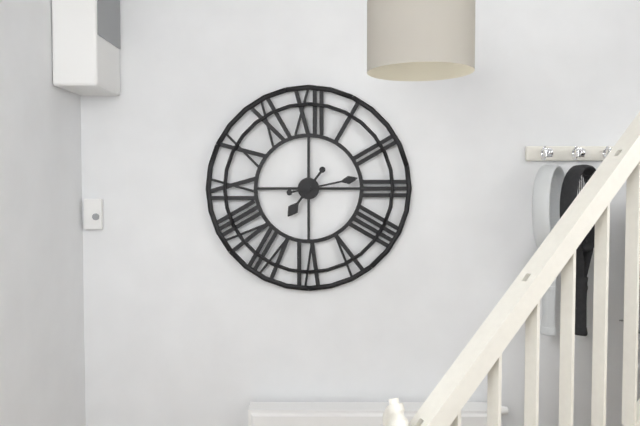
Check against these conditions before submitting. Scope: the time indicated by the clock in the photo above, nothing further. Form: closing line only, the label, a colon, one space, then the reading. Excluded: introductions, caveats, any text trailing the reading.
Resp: 7:13
